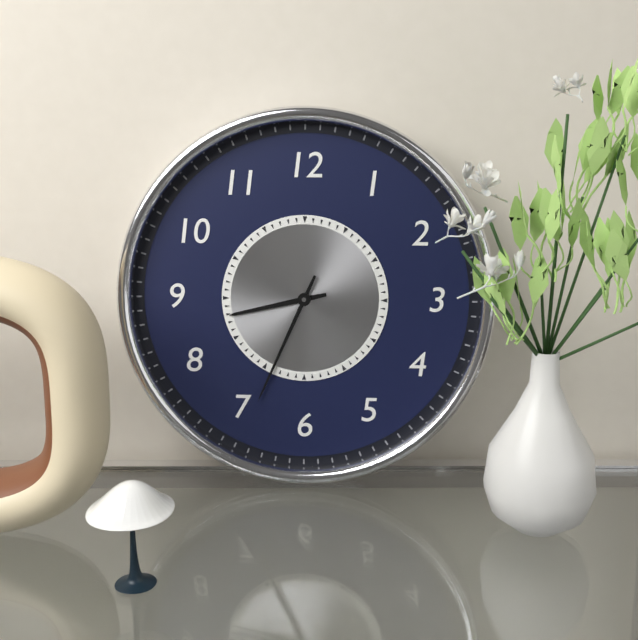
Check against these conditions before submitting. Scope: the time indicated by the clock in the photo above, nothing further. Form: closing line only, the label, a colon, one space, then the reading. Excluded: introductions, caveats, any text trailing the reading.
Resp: 8:34
